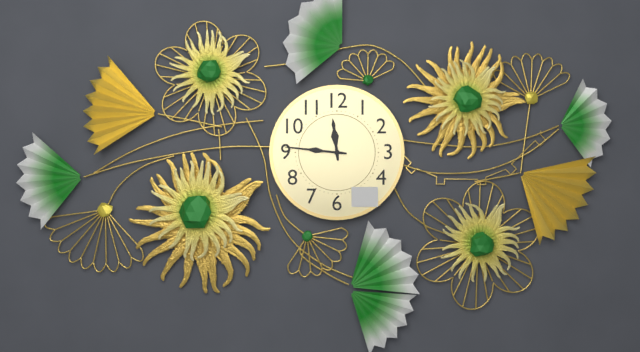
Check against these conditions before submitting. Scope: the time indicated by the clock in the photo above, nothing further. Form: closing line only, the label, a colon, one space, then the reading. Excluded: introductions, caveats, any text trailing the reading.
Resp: 11:46
